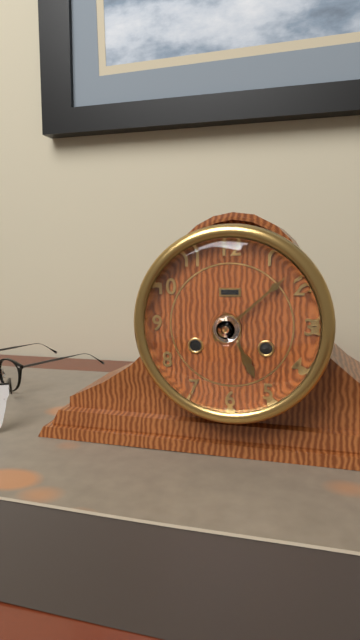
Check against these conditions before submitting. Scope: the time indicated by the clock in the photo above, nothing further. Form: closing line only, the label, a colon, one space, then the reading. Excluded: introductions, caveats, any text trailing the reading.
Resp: 5:08
